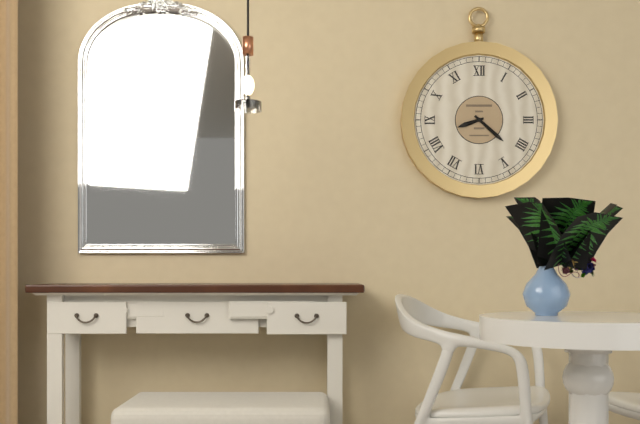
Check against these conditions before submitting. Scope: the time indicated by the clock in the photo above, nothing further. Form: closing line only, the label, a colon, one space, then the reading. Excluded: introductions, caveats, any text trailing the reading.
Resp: 8:22
